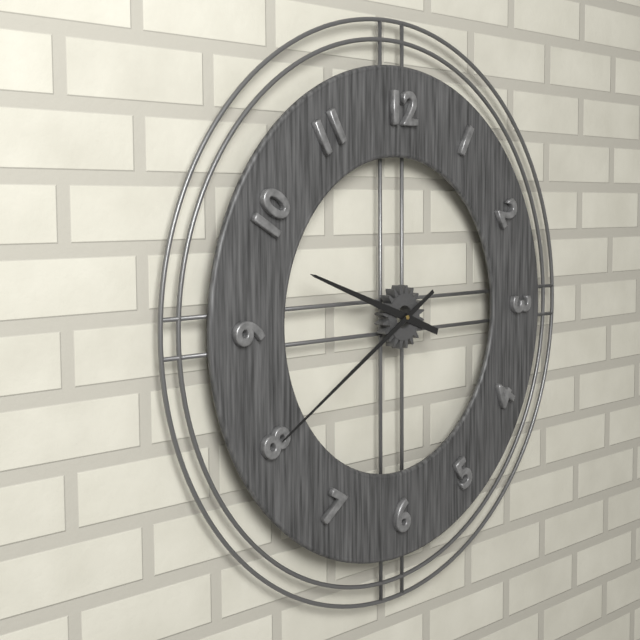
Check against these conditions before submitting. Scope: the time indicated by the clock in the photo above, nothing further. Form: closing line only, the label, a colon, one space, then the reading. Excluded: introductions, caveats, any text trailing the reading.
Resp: 9:40
